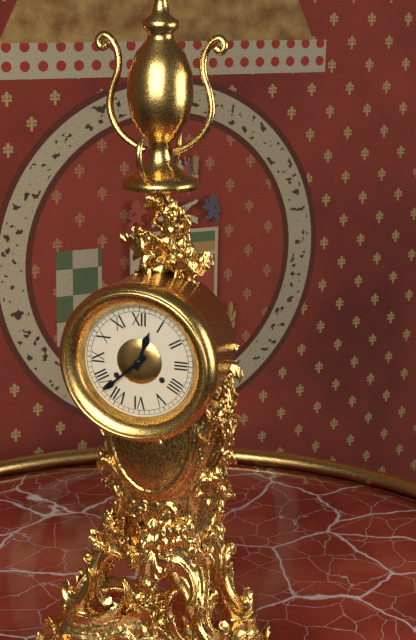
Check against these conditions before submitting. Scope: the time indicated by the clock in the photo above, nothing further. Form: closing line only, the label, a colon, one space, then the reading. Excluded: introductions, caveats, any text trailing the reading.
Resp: 12:38
